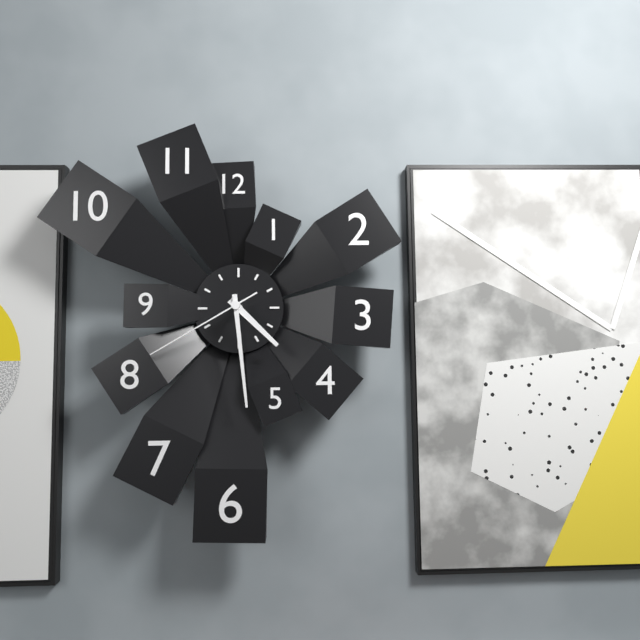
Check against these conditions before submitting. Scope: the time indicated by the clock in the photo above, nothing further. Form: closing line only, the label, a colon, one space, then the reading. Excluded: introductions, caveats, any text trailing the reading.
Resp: 4:29:40
